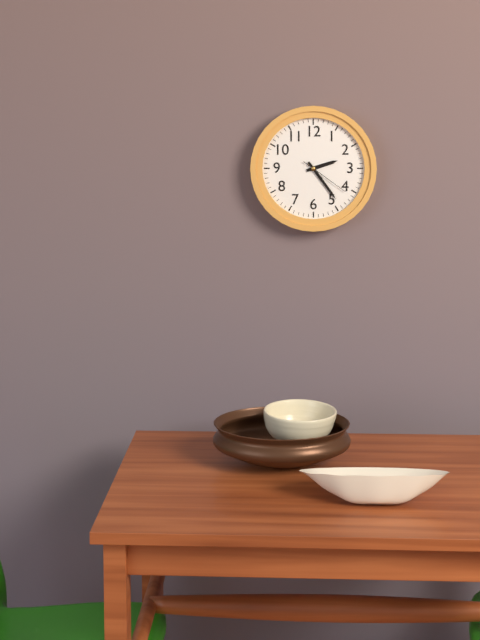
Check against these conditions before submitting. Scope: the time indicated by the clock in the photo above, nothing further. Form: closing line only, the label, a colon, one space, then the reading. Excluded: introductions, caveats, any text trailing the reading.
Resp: 2:24
